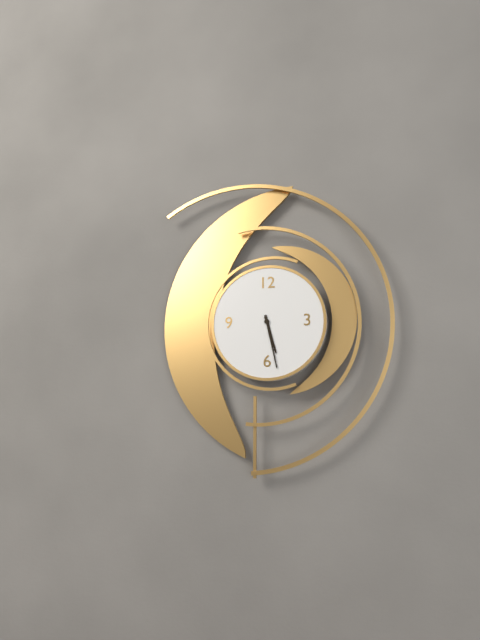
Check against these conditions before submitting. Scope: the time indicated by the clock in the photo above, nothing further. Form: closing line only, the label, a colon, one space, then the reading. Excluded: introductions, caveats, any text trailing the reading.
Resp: 5:28
